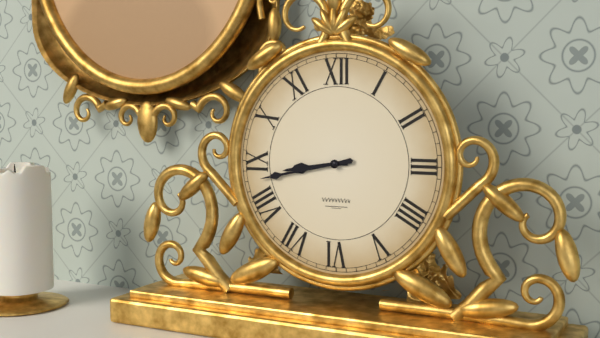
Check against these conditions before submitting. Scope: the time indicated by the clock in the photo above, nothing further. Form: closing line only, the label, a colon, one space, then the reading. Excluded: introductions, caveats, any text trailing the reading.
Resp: 8:43
